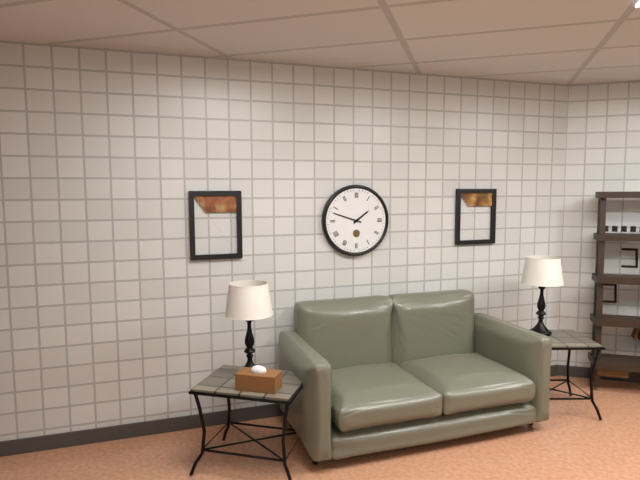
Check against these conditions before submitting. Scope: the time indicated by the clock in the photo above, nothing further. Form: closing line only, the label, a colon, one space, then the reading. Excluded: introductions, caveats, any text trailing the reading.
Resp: 1:48
